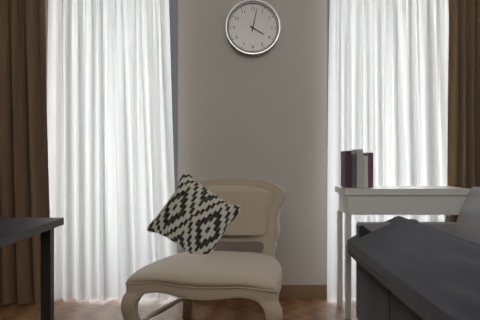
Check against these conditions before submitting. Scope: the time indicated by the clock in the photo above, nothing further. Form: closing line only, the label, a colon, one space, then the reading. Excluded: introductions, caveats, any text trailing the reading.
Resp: 4:02
